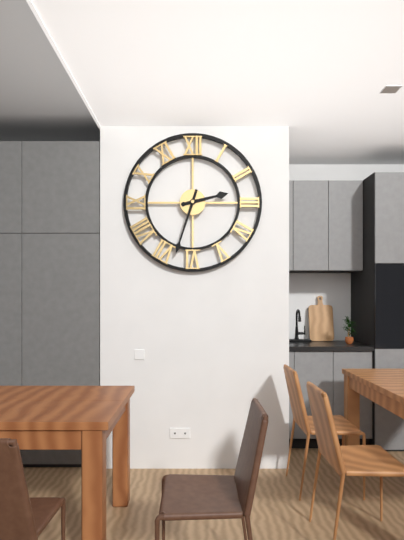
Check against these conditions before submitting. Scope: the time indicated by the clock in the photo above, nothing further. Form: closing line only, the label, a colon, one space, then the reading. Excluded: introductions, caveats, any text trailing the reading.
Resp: 2:33
